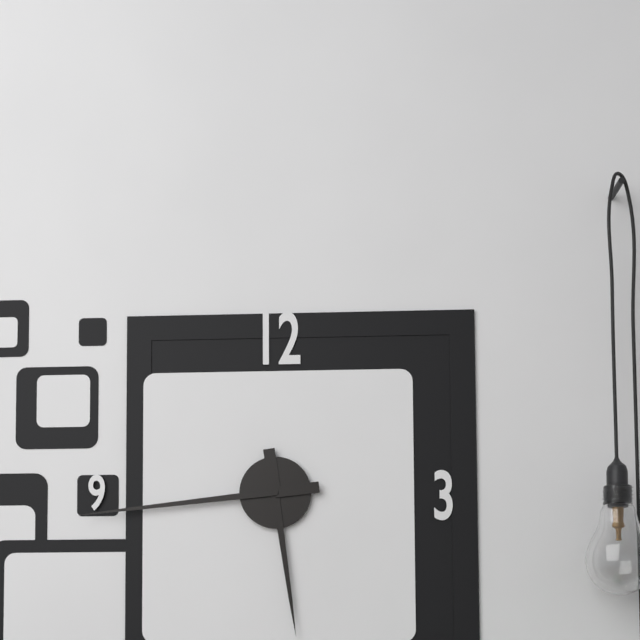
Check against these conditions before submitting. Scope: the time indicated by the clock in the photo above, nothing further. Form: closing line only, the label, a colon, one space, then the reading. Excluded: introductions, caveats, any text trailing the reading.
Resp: 5:44
